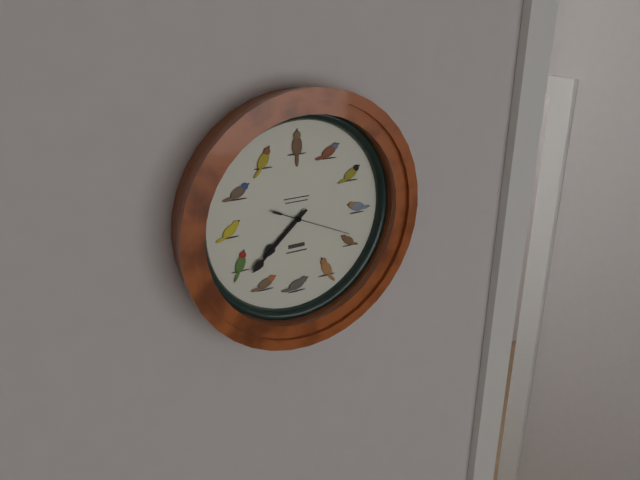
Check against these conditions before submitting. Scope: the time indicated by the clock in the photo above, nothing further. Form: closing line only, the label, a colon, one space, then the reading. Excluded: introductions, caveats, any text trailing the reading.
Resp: 7:38:19
